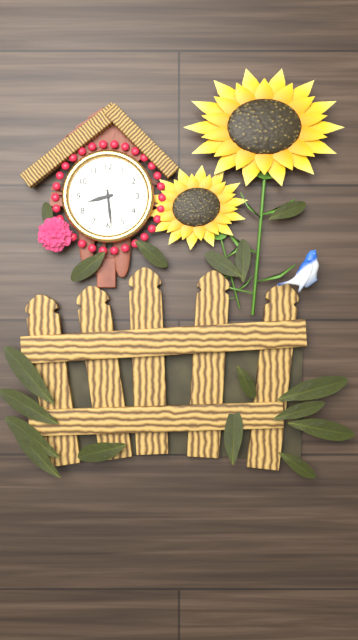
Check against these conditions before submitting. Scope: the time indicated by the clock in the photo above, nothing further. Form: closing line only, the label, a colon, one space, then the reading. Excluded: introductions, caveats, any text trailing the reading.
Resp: 8:29
